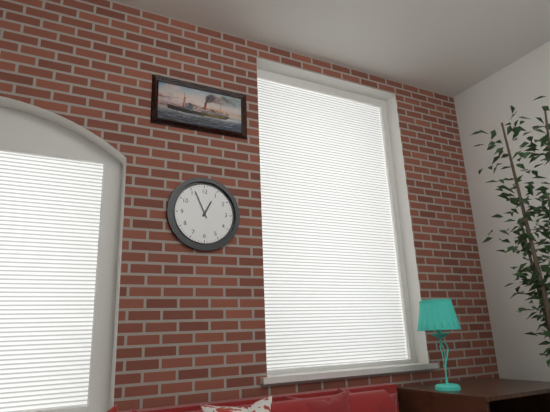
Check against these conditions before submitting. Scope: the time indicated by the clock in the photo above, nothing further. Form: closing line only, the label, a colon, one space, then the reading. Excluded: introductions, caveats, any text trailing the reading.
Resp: 12:56
